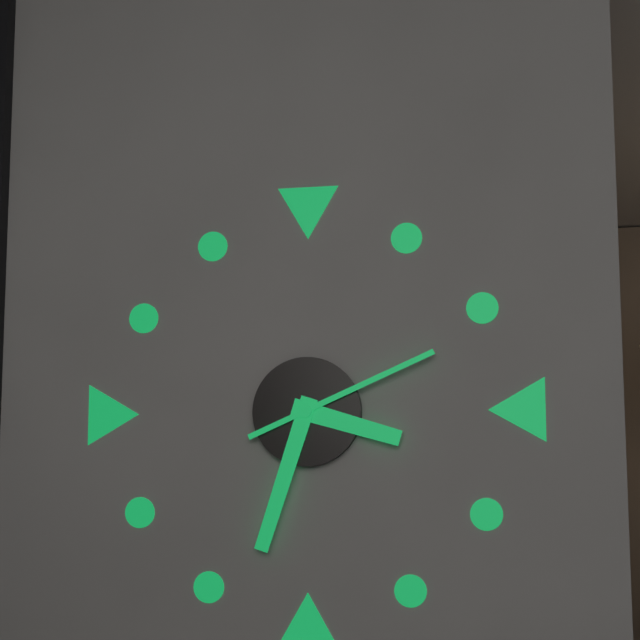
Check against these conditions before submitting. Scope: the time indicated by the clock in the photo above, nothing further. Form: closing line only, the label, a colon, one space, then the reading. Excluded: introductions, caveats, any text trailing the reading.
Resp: 3:33:11
